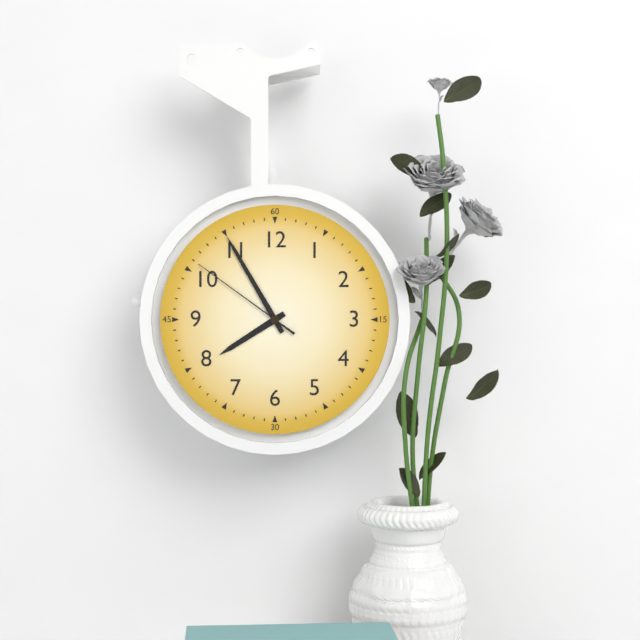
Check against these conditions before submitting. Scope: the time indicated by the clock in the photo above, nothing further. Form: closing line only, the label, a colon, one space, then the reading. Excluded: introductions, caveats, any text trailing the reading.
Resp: 7:55:51
